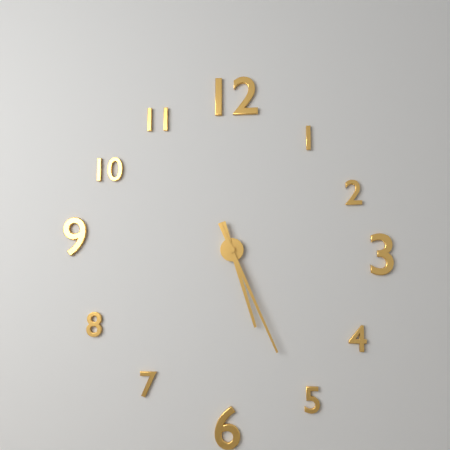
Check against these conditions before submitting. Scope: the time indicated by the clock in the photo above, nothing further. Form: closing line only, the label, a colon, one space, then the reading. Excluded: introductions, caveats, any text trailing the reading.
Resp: 5:26
